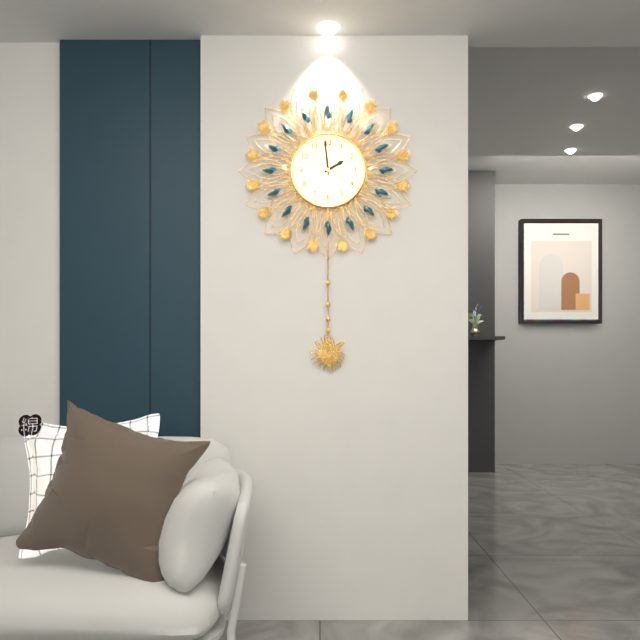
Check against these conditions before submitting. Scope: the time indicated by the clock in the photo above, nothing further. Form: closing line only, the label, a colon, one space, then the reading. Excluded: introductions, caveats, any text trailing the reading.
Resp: 1:59
